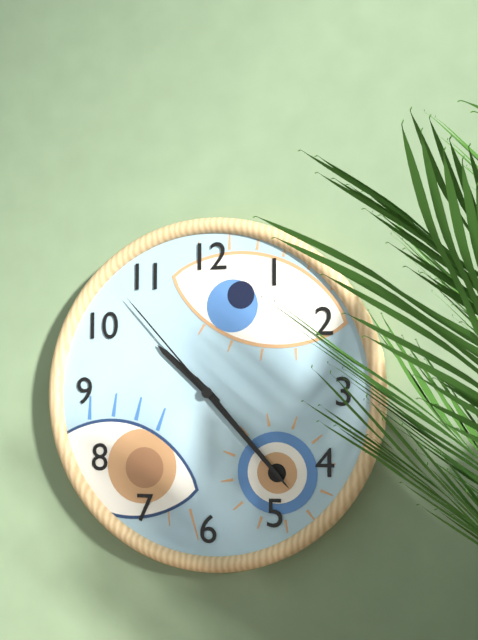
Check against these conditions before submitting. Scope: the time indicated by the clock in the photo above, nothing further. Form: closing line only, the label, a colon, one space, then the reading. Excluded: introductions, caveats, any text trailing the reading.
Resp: 10:23:53
